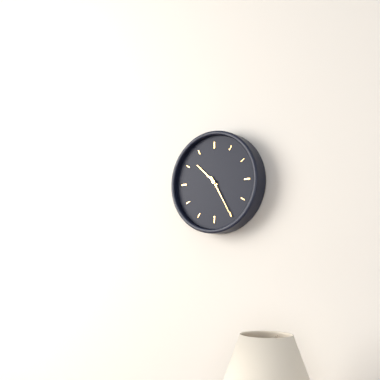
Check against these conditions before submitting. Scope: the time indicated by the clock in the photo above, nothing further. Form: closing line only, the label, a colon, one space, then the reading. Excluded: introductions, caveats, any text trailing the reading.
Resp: 10:25
